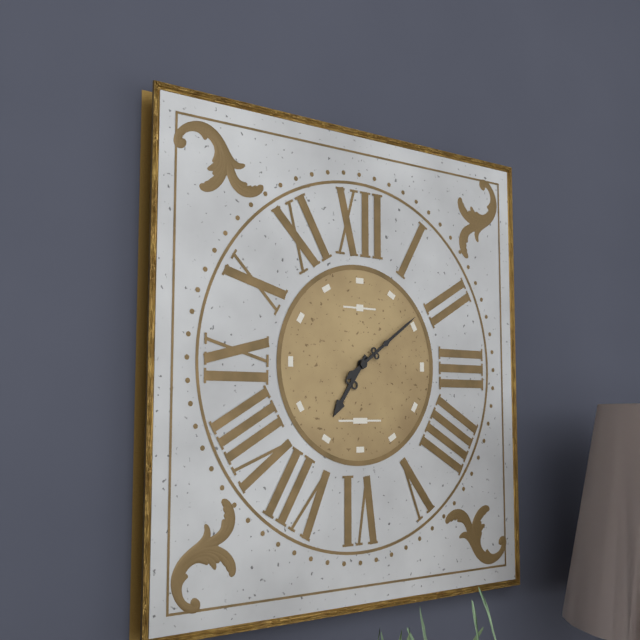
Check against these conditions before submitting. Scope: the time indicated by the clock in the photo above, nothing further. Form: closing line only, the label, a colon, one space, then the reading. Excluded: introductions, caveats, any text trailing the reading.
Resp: 7:09
